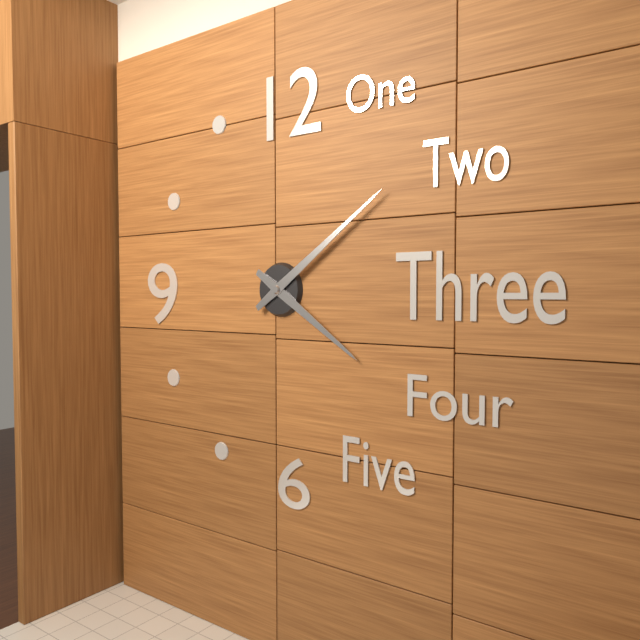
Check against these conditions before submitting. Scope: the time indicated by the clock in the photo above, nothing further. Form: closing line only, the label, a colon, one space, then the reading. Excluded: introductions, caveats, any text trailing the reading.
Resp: 4:09
